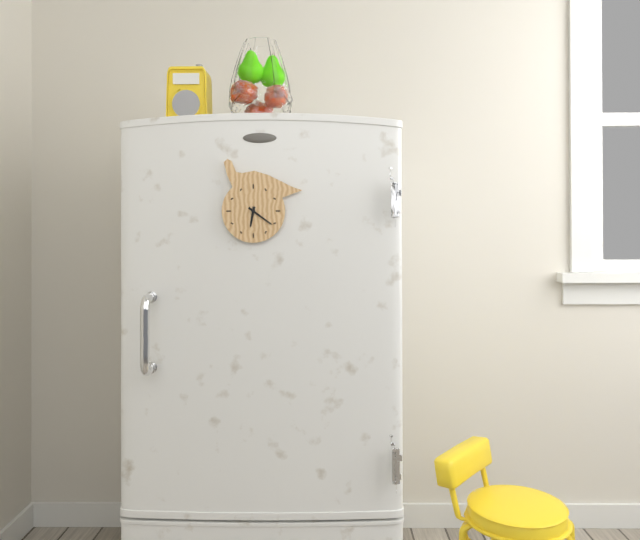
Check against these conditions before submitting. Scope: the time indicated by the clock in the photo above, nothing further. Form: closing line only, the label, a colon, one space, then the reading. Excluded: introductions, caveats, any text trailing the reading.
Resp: 6:21
